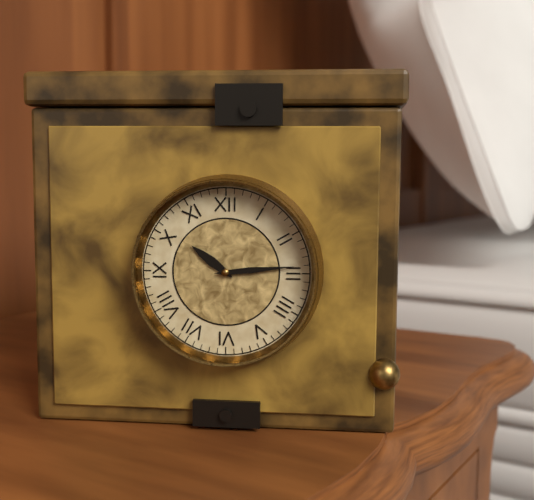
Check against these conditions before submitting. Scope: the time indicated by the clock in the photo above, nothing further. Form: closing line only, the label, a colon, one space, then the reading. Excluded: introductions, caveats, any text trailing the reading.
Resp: 10:14
